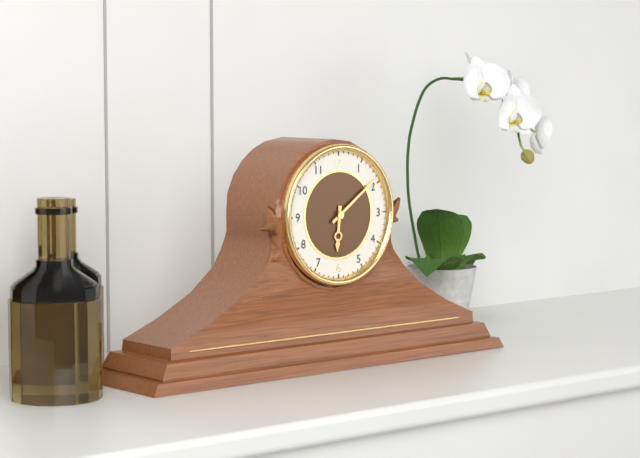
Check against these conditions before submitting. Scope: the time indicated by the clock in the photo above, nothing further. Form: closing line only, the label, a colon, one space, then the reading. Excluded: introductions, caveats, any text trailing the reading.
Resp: 6:09
